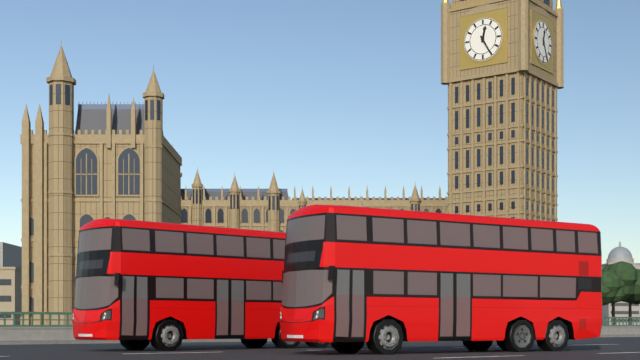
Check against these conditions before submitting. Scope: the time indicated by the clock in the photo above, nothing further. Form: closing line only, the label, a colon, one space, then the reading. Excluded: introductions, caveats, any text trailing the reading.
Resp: 12:25
